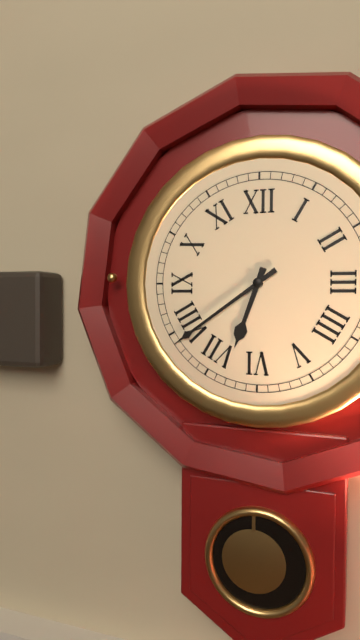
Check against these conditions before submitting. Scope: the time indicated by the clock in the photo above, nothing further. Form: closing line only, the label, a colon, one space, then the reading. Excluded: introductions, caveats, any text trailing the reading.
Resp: 6:39
